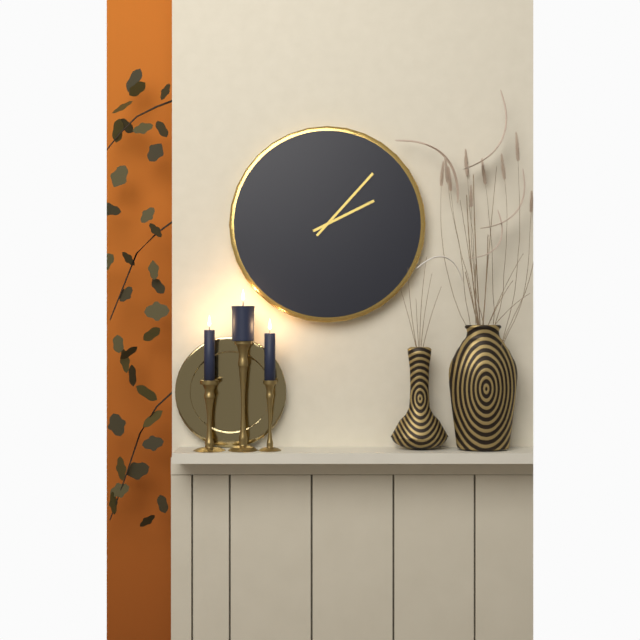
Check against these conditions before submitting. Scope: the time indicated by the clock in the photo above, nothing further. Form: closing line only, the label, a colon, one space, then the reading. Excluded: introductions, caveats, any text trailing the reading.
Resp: 2:07
